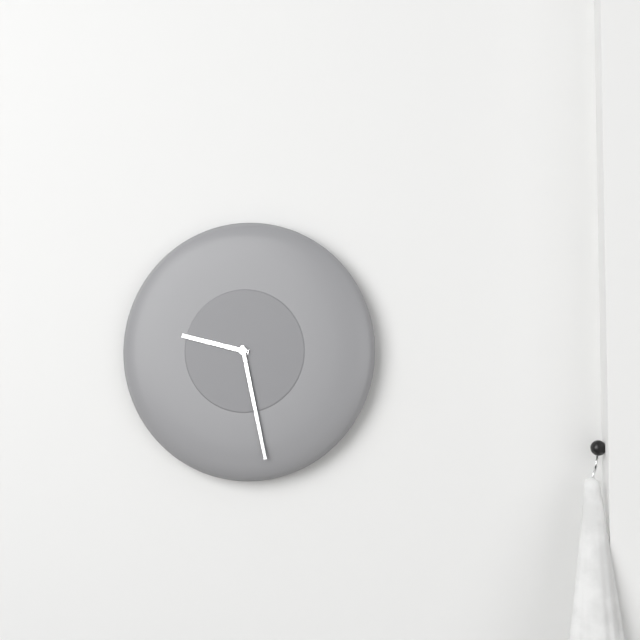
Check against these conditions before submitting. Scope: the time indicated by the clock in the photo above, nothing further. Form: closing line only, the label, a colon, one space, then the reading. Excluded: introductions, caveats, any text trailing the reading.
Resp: 9:28
